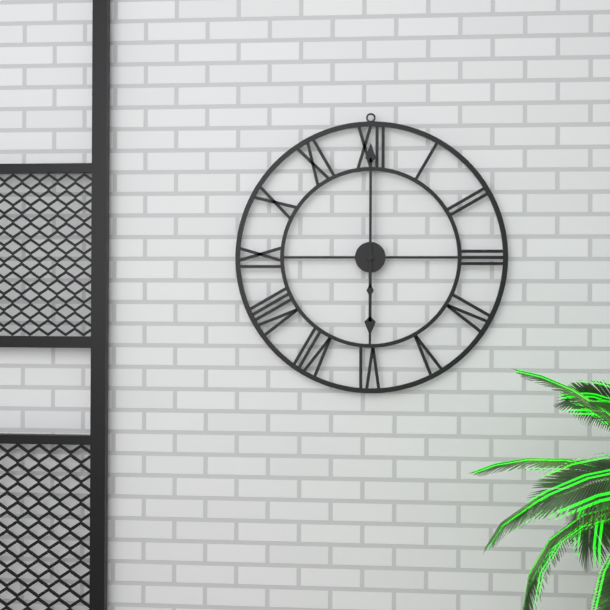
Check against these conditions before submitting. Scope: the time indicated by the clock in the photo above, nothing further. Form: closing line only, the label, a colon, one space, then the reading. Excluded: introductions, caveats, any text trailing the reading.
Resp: 6:00
